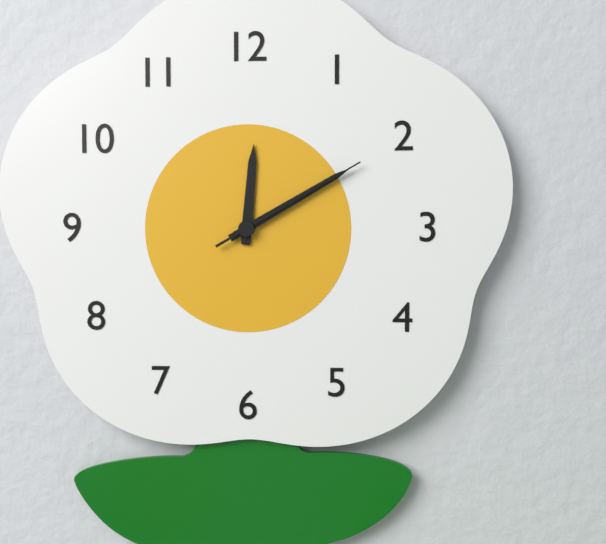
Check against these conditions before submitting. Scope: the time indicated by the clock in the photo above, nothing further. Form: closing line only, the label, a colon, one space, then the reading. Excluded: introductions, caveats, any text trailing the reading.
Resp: 12:10:10
